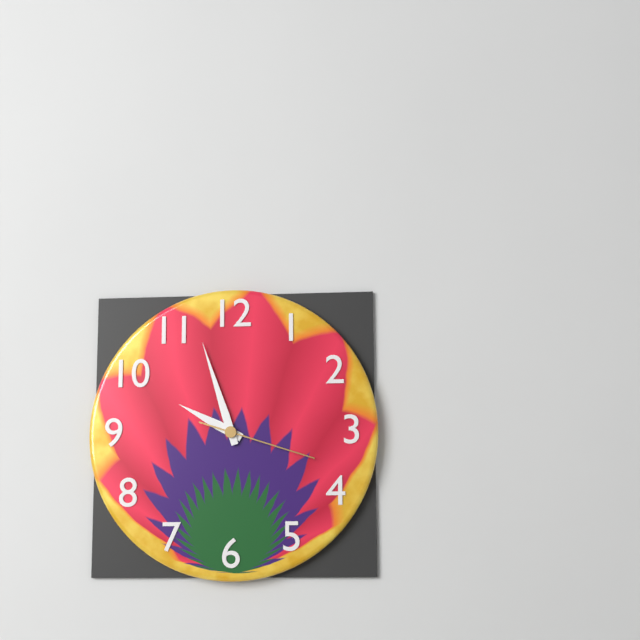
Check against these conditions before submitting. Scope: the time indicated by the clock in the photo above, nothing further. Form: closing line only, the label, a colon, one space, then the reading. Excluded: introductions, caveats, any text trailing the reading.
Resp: 9:57:18
